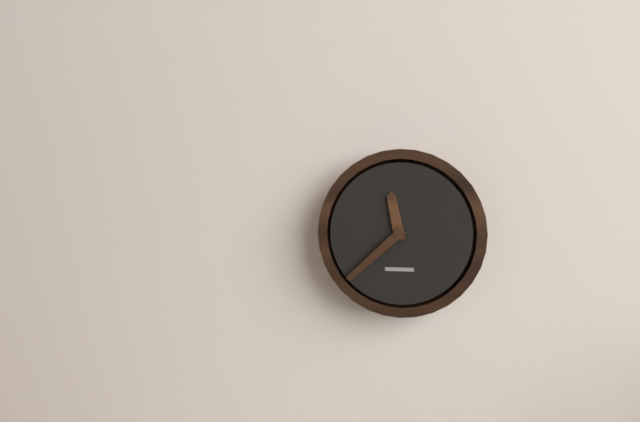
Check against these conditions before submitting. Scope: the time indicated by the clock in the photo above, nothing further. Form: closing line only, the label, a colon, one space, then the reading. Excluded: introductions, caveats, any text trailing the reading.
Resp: 11:38
